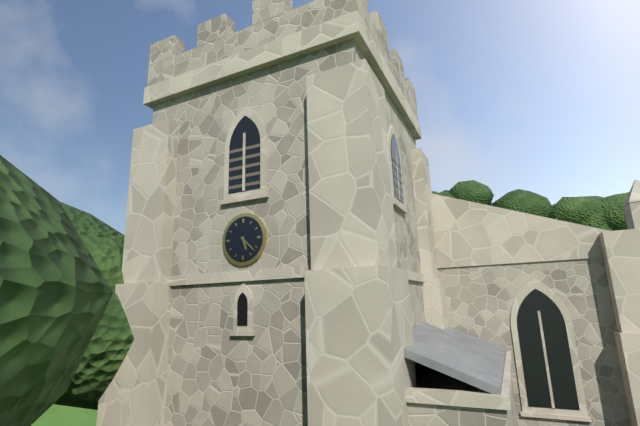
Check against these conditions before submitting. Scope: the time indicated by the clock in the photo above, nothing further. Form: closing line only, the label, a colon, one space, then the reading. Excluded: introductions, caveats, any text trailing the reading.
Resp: 5:22
